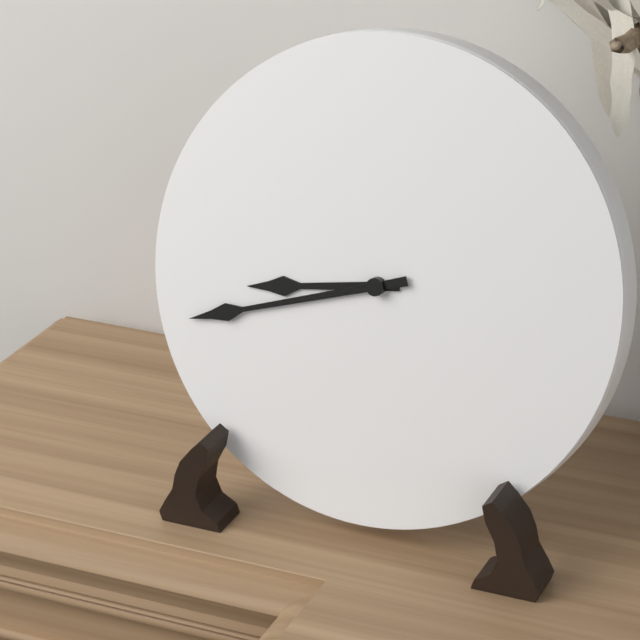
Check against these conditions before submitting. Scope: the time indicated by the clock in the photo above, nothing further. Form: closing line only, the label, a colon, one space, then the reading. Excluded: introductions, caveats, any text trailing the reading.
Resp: 8:42
